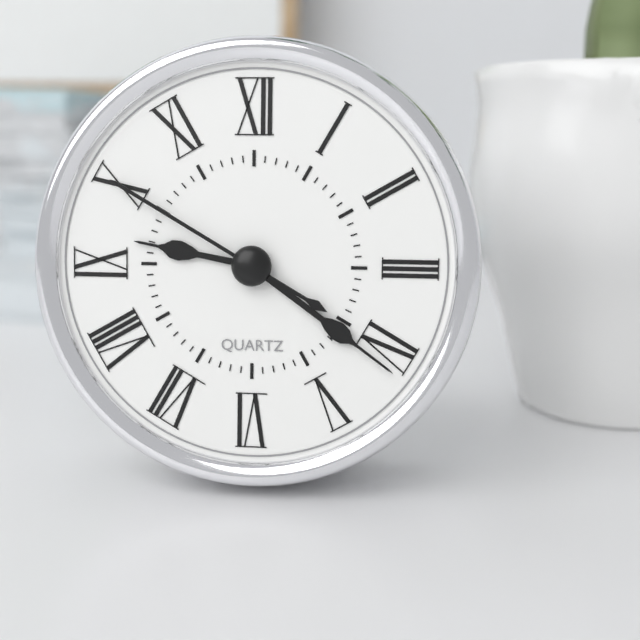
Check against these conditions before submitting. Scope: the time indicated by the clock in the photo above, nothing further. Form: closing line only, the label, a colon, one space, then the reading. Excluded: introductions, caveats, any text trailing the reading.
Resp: 9:21:50
